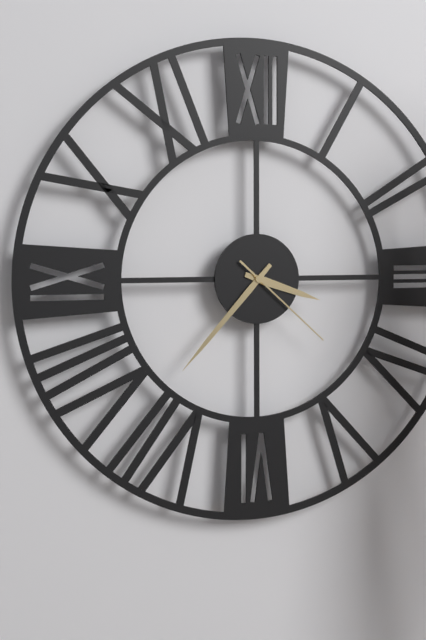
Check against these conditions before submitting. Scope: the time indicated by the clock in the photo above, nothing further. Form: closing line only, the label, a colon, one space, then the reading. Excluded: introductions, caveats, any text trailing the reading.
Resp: 3:37:22
